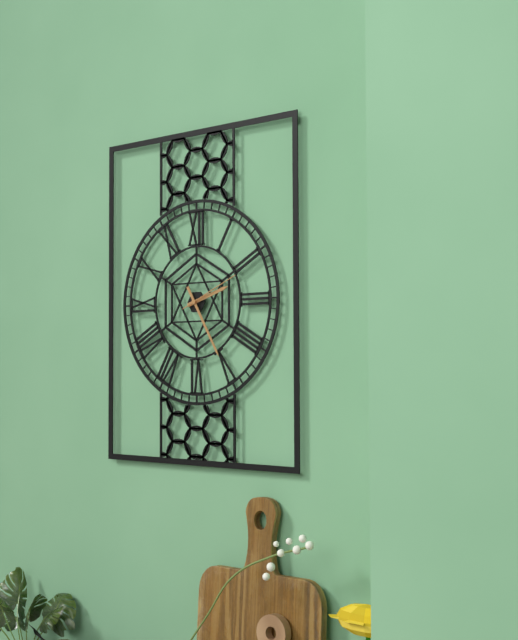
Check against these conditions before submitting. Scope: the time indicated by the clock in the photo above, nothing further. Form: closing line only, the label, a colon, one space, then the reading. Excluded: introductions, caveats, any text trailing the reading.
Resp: 2:25:11
